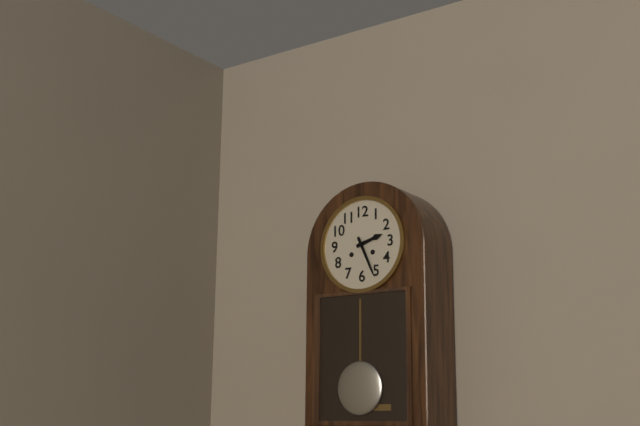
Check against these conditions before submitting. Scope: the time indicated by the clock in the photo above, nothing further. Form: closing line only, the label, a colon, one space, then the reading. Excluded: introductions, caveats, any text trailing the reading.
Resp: 2:26
